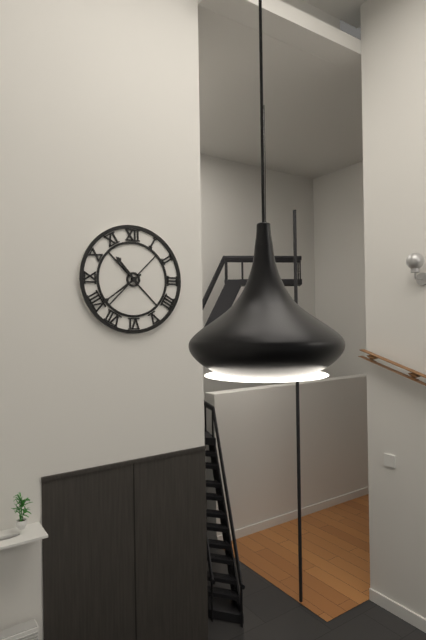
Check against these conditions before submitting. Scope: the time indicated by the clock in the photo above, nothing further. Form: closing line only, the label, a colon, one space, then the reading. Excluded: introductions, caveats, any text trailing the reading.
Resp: 10:39
